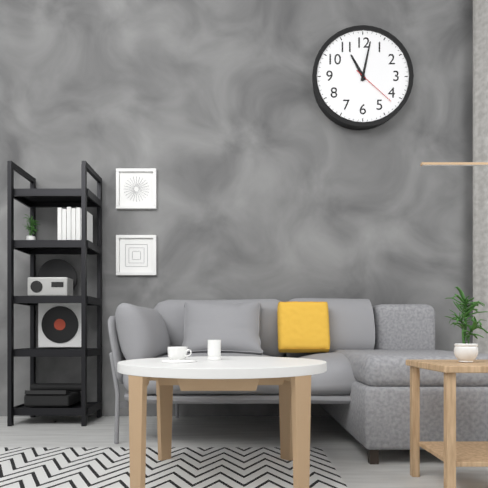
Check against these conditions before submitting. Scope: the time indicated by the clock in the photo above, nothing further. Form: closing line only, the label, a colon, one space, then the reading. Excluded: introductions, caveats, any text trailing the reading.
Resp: 11:02
